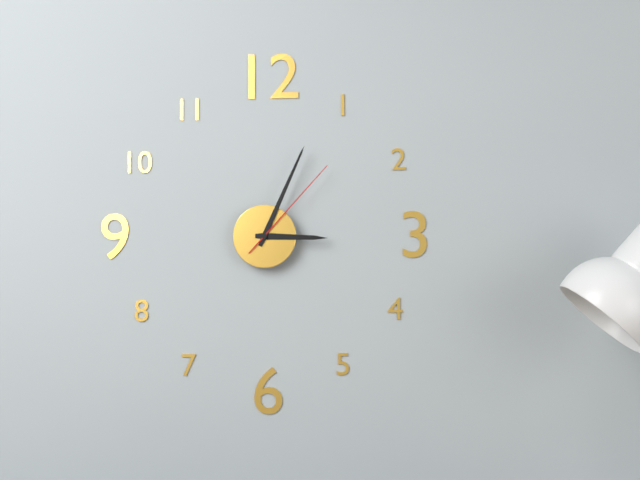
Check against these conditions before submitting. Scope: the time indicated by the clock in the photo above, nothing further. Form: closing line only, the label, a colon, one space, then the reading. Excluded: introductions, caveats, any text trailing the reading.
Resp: 3:04:07
